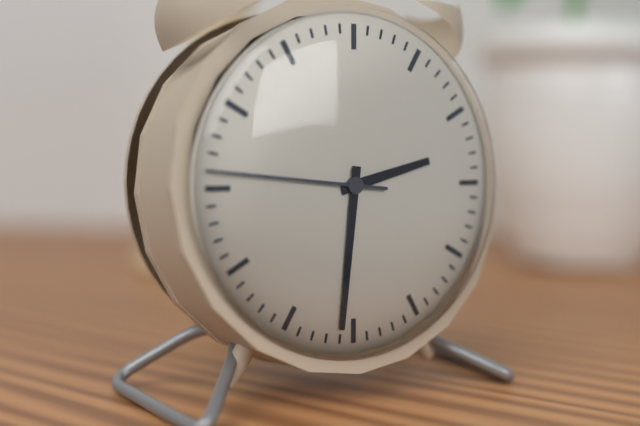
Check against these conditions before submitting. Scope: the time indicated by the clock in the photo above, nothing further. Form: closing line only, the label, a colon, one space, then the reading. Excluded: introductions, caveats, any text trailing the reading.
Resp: 2:31:46
